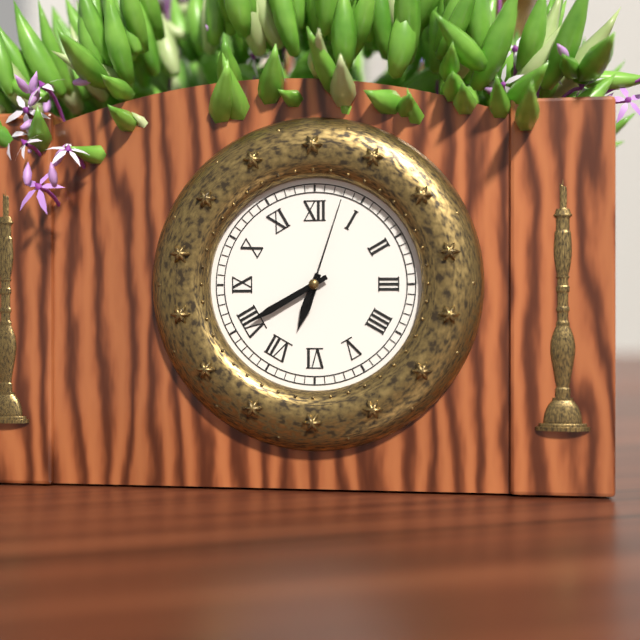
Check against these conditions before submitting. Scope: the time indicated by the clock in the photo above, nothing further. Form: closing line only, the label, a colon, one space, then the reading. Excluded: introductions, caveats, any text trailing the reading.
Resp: 6:40:03
